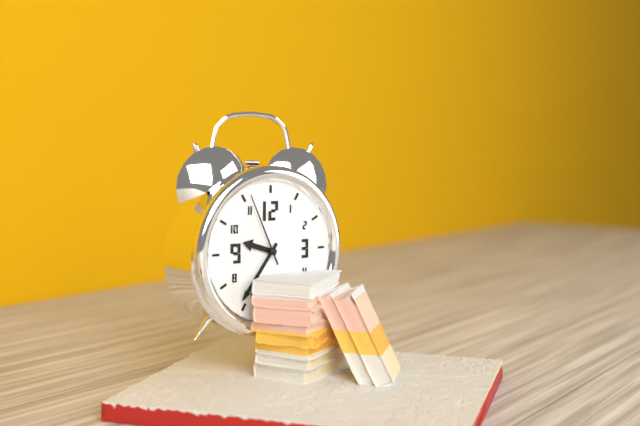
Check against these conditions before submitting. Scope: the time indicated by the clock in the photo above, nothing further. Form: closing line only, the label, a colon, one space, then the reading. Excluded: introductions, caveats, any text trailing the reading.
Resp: 9:36:56
